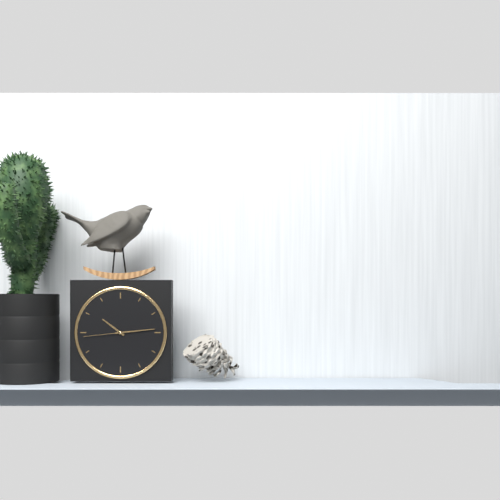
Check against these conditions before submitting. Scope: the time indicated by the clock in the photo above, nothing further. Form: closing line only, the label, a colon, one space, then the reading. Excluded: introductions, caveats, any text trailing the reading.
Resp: 10:14
